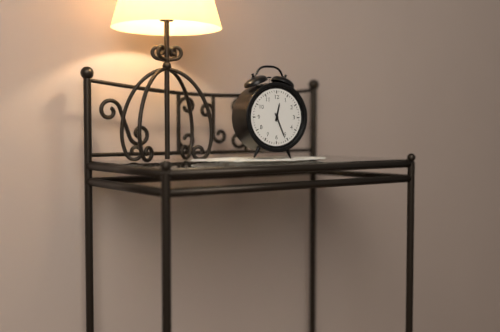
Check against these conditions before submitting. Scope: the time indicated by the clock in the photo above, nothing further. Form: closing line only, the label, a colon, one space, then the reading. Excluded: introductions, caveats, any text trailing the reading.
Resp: 12:26
